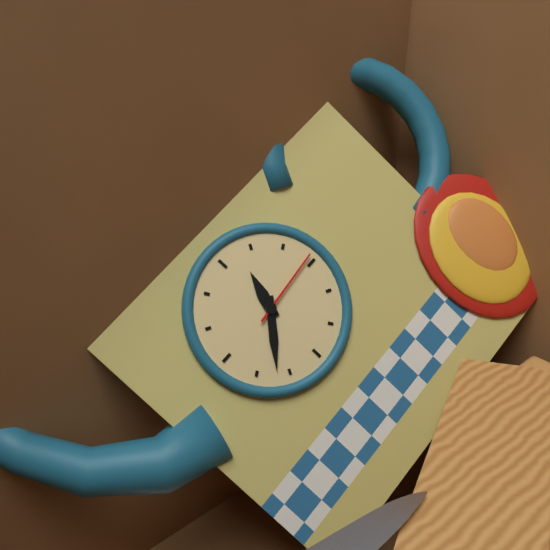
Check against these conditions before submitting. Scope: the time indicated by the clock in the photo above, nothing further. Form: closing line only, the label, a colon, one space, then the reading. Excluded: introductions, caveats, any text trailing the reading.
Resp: 12:37:14
